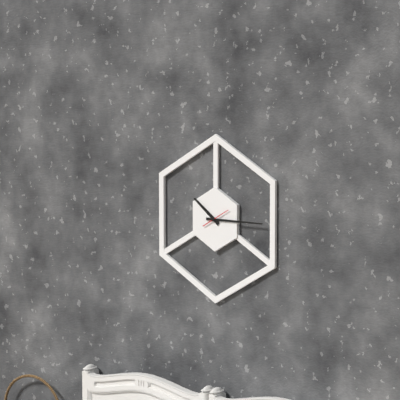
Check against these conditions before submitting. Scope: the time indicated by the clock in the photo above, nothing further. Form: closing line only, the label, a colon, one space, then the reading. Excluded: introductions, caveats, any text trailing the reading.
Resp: 10:15
